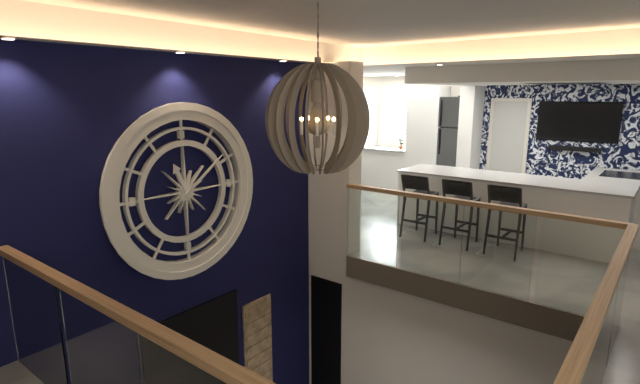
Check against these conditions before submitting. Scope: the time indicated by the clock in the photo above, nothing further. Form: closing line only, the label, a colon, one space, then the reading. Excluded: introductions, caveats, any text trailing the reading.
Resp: 11:09
